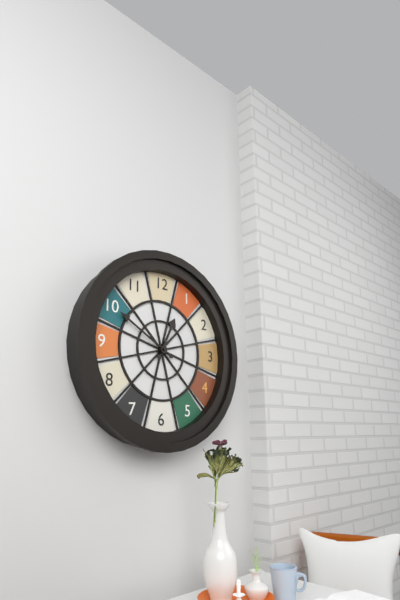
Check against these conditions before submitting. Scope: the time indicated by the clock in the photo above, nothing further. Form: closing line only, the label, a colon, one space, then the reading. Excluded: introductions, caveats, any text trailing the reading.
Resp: 12:50
